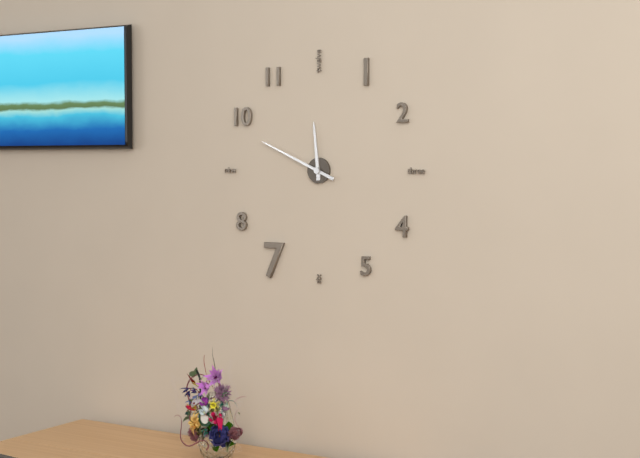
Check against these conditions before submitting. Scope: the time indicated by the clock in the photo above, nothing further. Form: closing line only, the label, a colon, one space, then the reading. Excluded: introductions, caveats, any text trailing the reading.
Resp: 11:49
